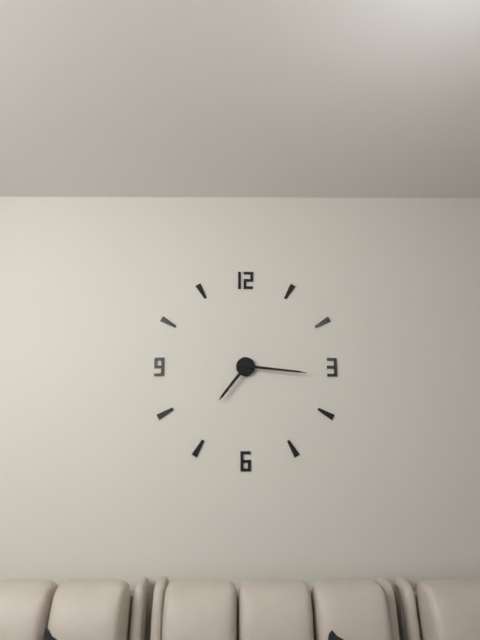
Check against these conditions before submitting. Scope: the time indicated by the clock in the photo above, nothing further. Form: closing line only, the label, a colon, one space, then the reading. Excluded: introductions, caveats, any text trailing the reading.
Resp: 7:16
